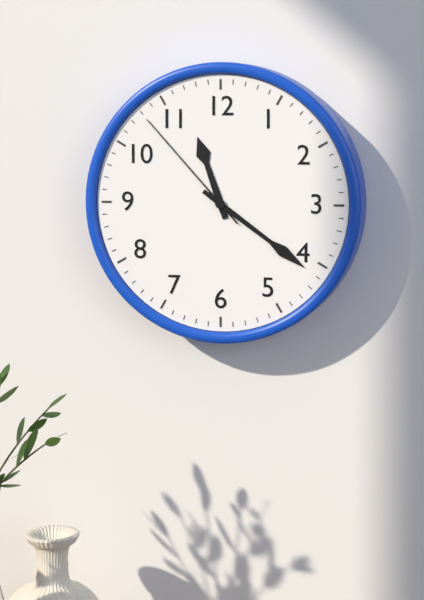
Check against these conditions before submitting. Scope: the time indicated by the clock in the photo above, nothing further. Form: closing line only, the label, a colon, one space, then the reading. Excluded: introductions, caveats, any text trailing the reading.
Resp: 11:21:53
